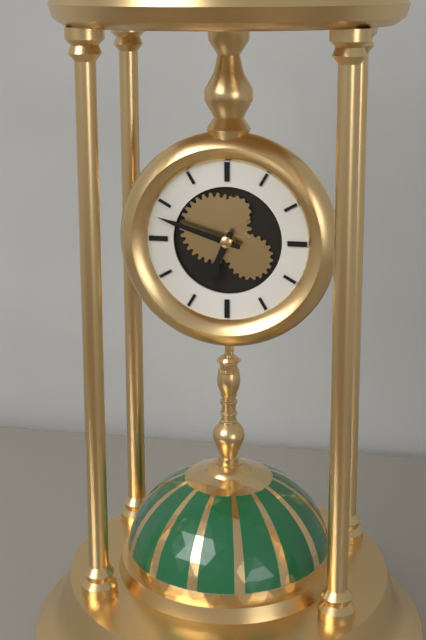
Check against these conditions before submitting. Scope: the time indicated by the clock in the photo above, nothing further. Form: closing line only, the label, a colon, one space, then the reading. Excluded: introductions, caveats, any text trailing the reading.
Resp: 6:48
